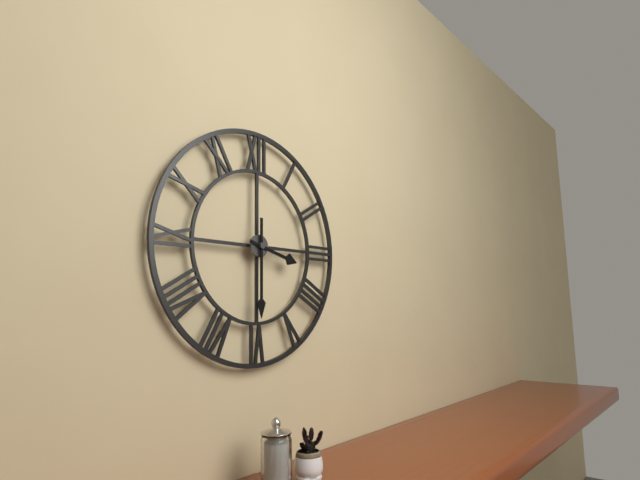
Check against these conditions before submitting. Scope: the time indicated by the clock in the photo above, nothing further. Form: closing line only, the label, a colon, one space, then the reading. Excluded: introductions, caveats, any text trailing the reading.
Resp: 3:30
